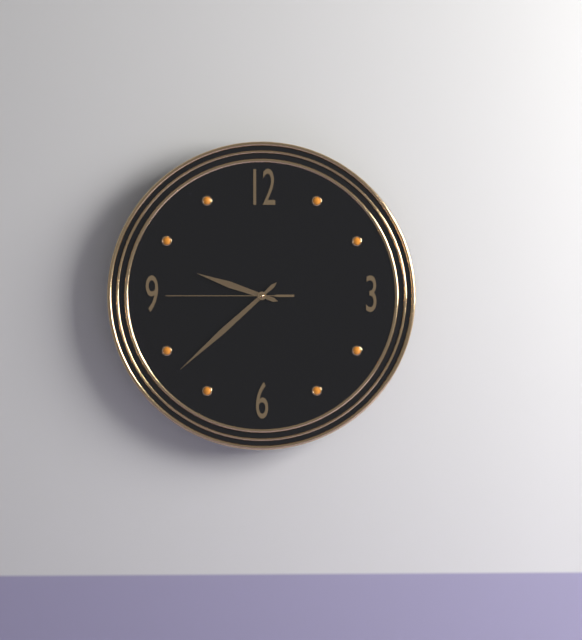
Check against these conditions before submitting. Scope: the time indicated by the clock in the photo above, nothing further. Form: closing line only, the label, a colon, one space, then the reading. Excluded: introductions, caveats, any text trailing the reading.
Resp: 9:38:45
